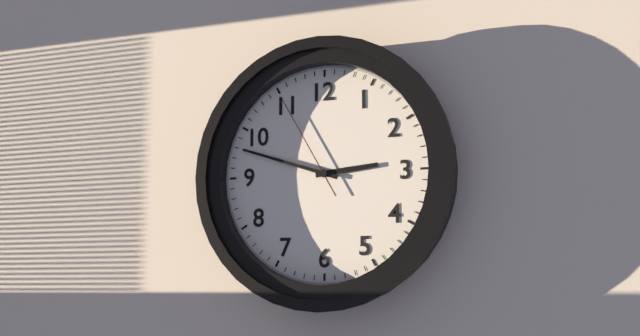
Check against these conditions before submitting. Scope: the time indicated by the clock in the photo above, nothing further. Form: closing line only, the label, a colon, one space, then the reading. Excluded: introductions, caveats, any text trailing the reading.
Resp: 2:48:55
